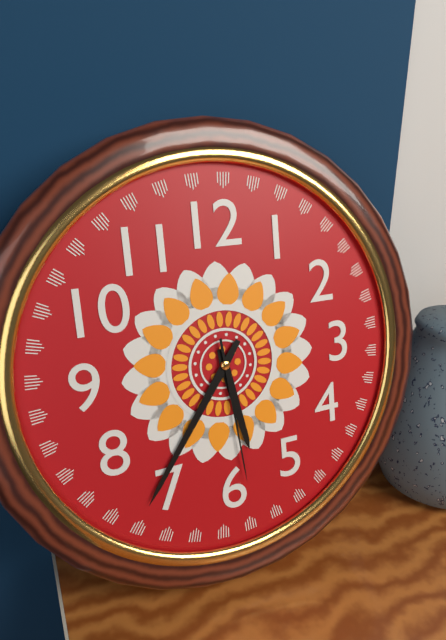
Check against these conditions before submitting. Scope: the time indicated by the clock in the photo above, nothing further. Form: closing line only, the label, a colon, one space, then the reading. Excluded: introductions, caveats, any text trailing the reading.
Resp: 5:36:29
